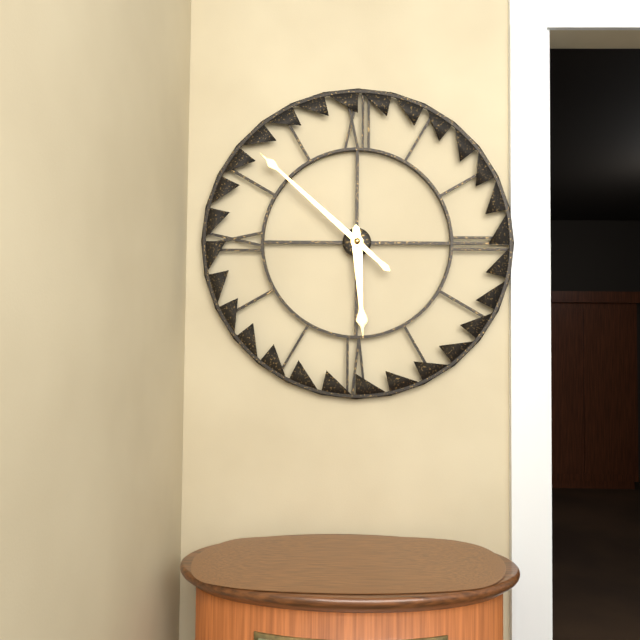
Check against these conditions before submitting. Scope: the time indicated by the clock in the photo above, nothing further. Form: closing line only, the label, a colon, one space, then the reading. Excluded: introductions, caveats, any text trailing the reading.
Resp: 5:52
